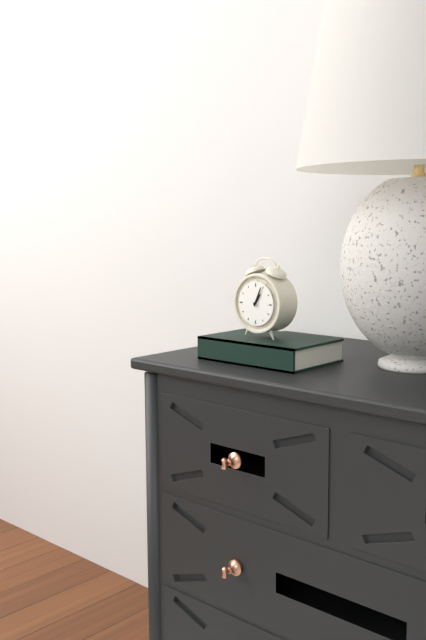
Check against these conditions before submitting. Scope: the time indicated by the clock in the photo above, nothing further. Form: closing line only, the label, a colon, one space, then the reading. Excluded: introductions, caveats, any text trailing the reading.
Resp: 1:04
